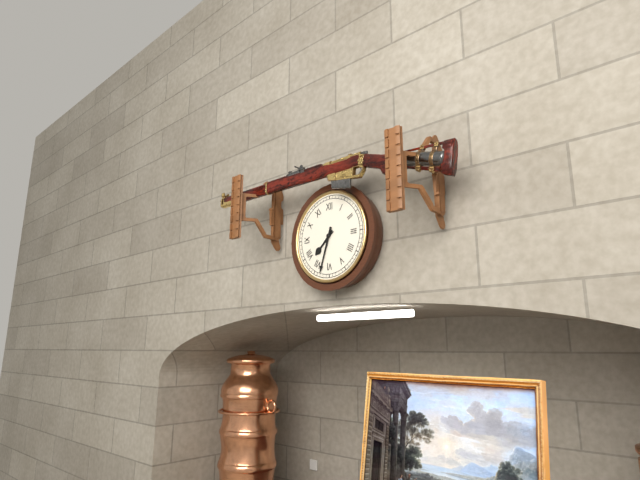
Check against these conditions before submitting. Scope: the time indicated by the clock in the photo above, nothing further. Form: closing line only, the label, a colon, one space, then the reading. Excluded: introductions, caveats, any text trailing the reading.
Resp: 7:33
